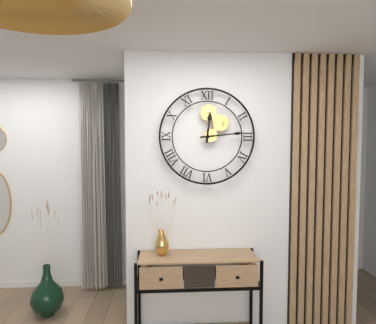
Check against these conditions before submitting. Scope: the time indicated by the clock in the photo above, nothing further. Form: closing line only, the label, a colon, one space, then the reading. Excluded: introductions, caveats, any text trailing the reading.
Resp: 12:14
